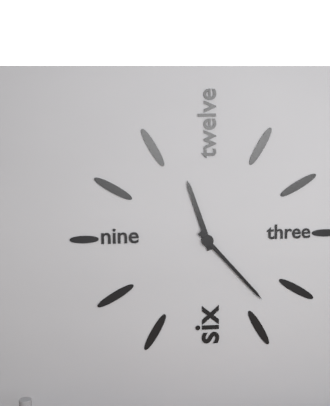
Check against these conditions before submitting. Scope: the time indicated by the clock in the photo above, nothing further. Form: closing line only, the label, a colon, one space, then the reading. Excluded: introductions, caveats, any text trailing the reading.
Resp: 11:23
